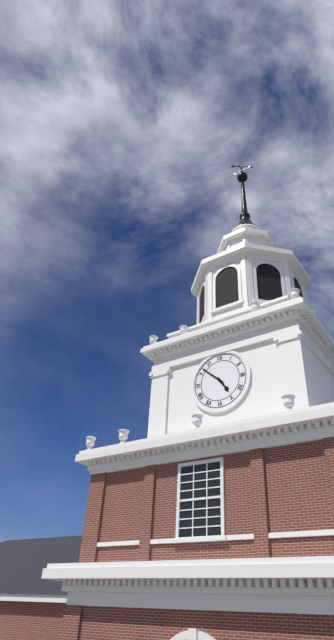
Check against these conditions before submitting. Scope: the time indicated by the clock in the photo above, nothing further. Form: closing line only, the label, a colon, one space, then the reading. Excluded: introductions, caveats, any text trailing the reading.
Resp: 4:52
